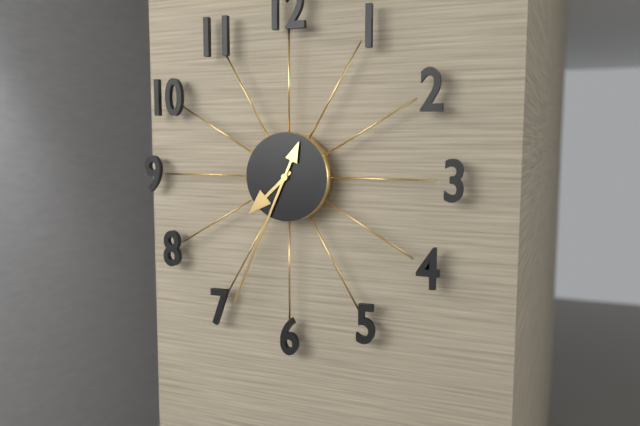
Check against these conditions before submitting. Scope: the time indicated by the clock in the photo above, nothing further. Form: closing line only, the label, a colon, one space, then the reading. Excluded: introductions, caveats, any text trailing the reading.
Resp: 7:34
